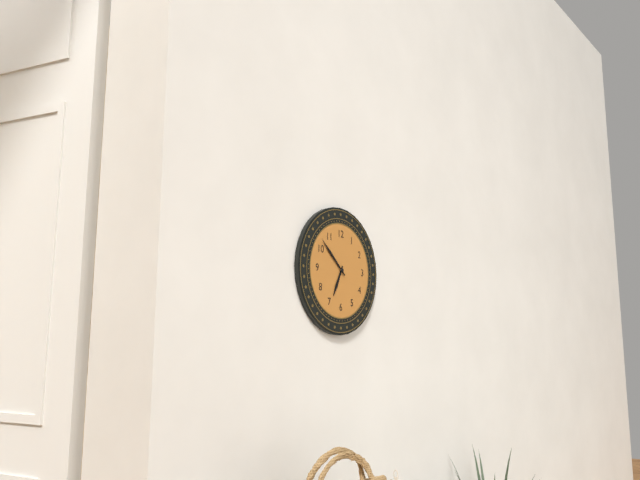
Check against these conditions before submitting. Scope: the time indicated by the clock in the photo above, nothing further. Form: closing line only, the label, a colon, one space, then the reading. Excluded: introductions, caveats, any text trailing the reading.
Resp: 6:52
